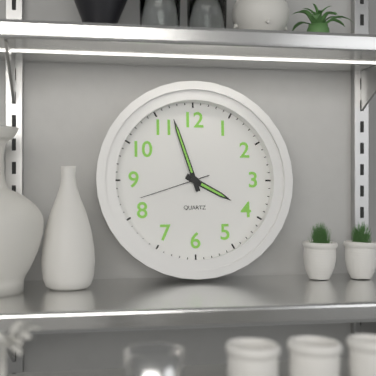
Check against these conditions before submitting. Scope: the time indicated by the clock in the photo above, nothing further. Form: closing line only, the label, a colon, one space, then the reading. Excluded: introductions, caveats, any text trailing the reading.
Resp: 3:57:42
